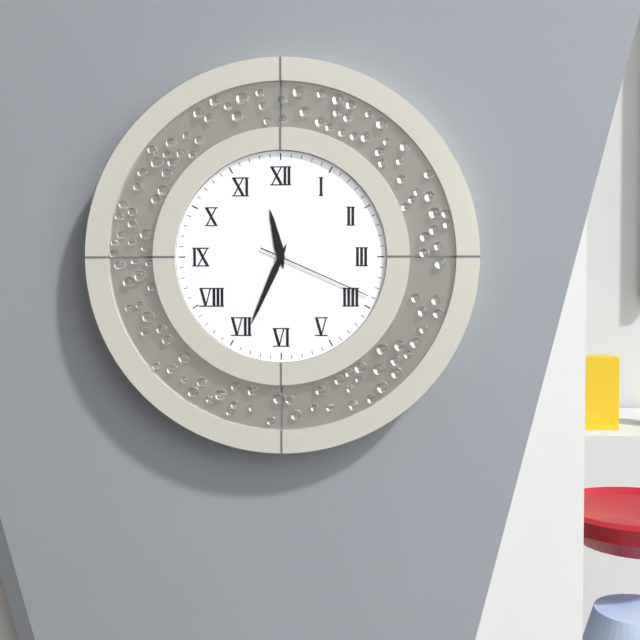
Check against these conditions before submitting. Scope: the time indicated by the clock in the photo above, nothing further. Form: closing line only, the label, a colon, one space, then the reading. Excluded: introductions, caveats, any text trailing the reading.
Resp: 11:34:19
